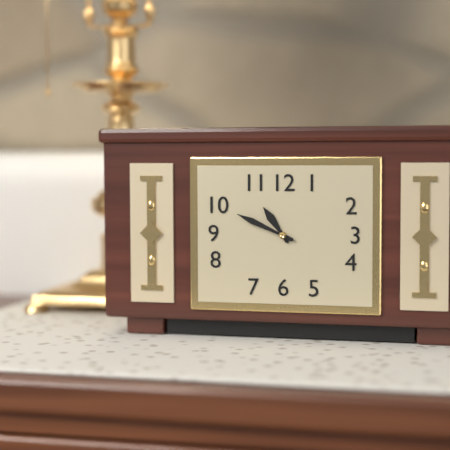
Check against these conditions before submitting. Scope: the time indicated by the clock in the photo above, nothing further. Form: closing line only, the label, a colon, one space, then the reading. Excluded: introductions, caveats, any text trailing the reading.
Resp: 10:49
